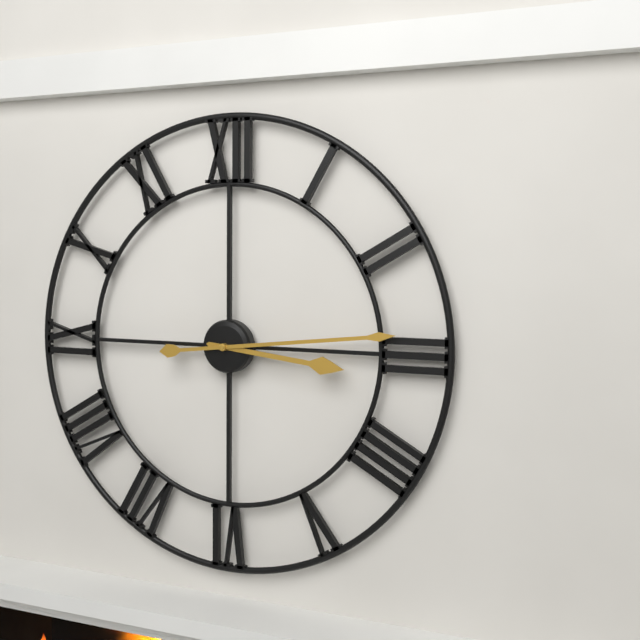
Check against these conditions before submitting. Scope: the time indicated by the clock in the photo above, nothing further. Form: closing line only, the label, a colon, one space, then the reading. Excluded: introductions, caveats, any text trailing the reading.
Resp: 3:14
